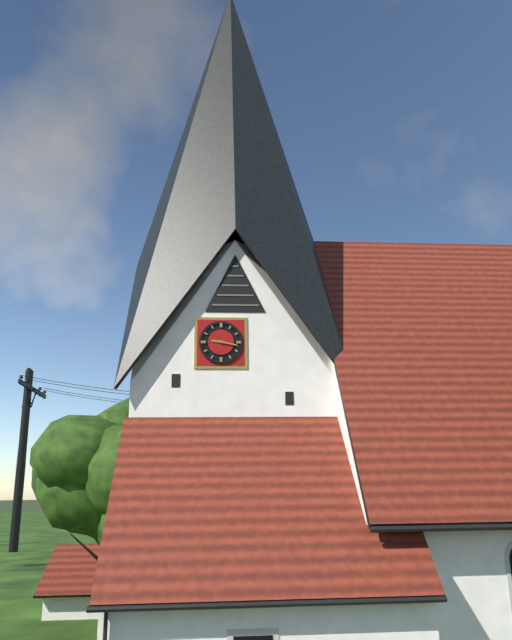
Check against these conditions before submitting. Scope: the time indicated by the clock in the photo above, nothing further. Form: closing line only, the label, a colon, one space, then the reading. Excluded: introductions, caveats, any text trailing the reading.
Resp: 9:17
